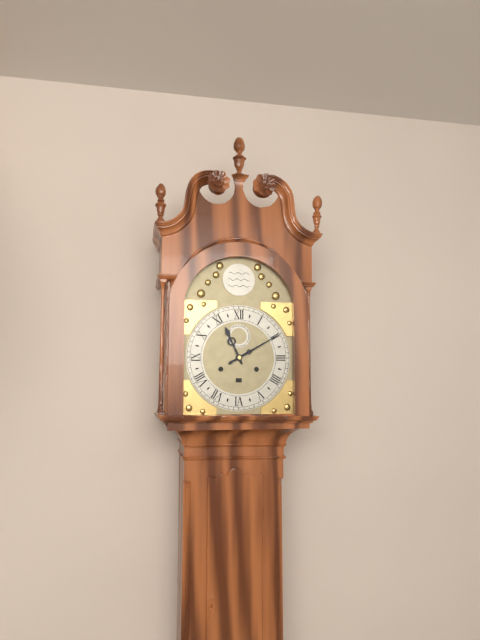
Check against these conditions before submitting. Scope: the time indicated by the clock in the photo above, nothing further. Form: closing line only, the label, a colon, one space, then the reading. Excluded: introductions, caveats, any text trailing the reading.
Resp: 11:10
